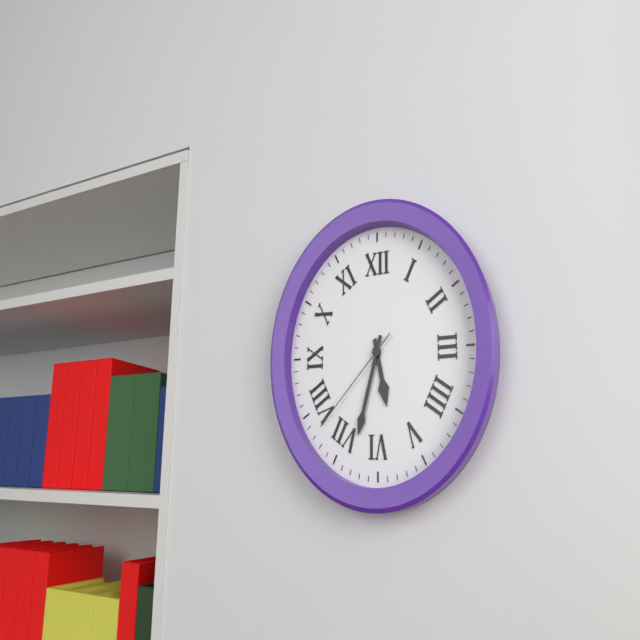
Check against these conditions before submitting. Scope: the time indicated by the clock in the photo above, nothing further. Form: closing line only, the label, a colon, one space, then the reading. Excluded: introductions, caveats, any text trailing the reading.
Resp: 5:33:38
